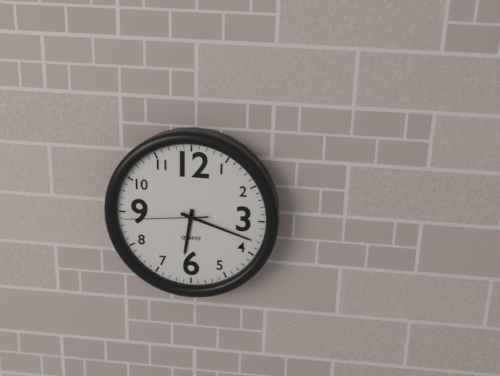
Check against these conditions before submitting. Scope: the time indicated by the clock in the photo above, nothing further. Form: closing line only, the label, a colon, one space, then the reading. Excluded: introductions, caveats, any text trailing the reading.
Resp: 6:18:44
